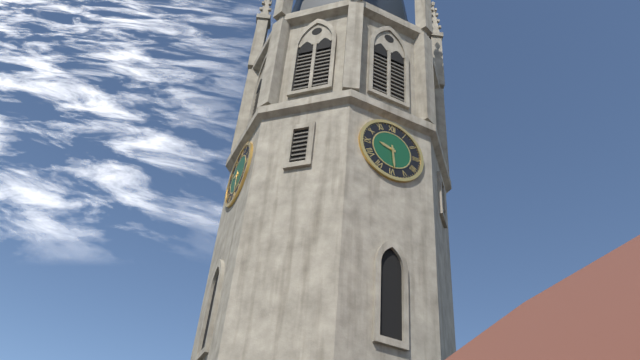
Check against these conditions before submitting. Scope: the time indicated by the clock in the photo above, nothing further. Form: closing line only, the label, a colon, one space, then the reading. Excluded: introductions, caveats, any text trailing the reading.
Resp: 9:29
